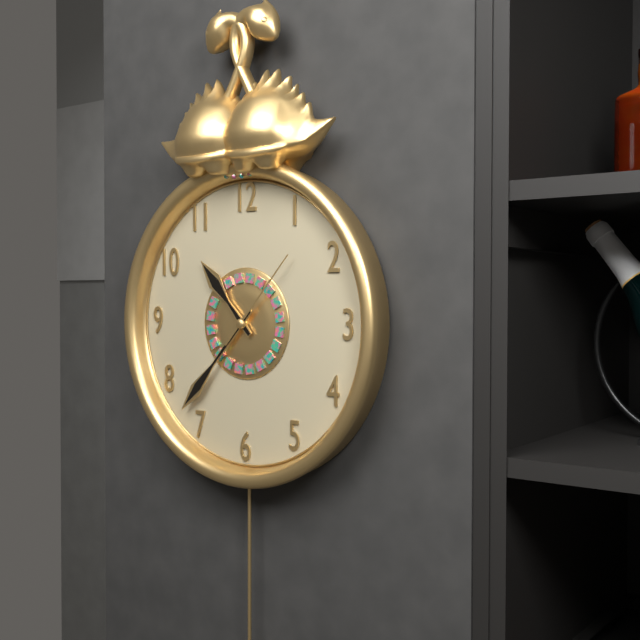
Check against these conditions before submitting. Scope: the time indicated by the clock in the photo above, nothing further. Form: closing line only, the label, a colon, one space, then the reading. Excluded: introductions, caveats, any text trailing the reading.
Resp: 10:37:07
